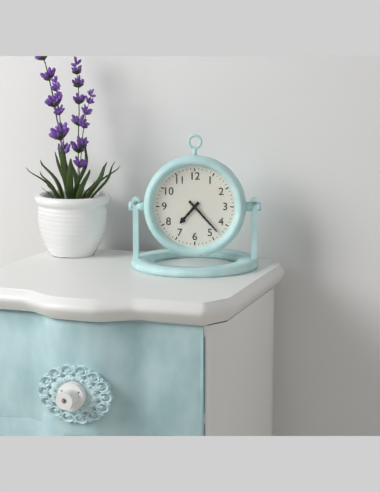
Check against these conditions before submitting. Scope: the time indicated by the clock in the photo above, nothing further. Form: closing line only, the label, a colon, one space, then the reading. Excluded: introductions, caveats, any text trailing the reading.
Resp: 7:23
